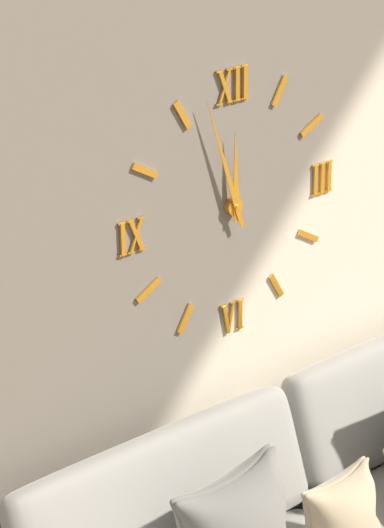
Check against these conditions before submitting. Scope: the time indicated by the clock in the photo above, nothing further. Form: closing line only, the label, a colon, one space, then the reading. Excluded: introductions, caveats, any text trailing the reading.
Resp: 11:57
